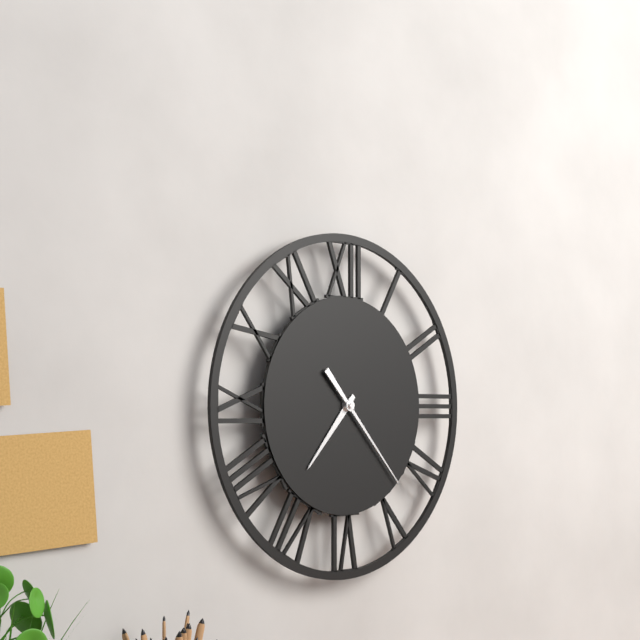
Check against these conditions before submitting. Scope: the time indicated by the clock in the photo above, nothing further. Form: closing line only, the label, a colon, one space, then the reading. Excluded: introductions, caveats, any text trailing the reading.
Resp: 7:23
